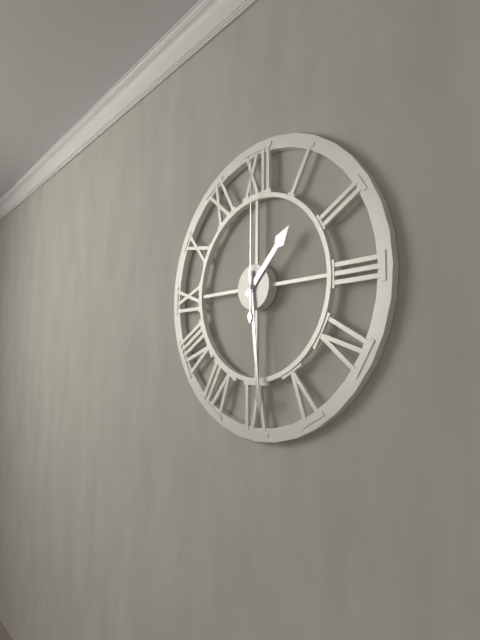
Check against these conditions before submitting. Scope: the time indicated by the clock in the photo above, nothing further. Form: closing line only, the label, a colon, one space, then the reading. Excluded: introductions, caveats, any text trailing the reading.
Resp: 1:29:00
